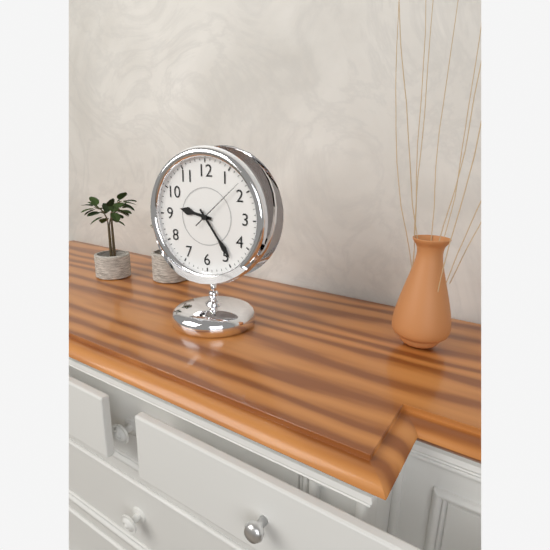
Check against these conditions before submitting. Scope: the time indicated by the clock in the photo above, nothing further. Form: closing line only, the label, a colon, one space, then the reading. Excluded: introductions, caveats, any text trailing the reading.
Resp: 9:24:08
